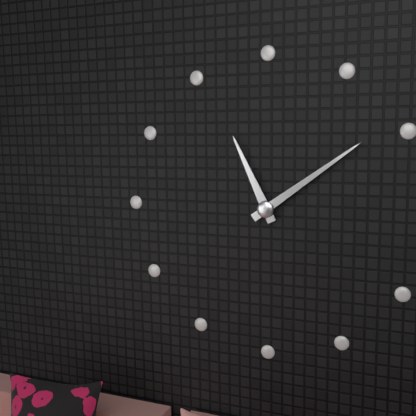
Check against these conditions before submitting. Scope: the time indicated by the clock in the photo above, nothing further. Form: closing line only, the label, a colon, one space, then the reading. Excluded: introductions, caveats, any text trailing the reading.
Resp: 11:09
